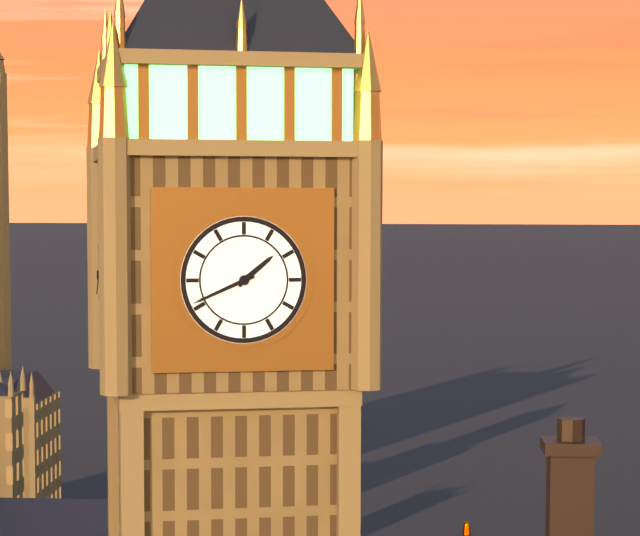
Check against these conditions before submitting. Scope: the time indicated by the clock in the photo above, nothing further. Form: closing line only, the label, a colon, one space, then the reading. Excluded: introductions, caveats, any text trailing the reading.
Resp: 1:41
